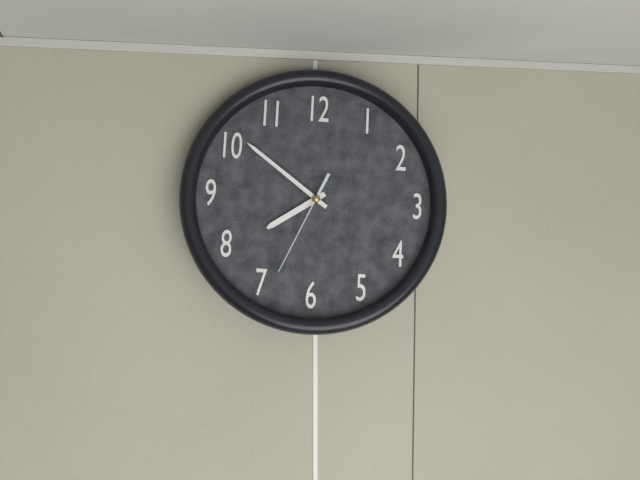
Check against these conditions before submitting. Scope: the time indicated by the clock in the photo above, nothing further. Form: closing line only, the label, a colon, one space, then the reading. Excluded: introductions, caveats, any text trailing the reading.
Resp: 7:51:34
